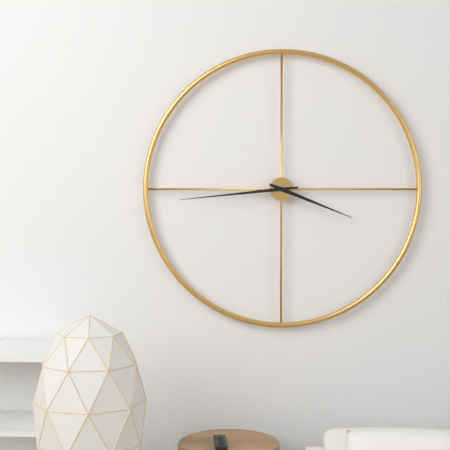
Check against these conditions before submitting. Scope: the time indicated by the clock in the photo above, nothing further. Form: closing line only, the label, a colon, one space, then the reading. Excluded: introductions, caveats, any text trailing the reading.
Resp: 3:44
